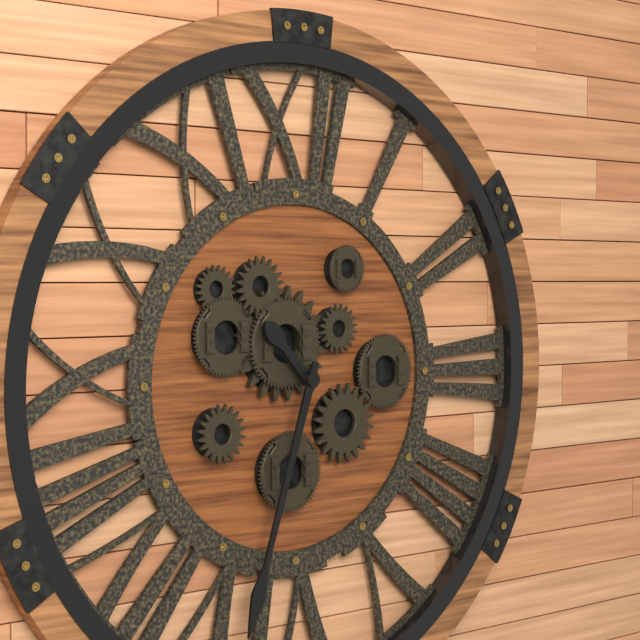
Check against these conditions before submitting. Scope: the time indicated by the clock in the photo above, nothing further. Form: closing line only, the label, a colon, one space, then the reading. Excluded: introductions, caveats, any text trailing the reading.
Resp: 10:33
